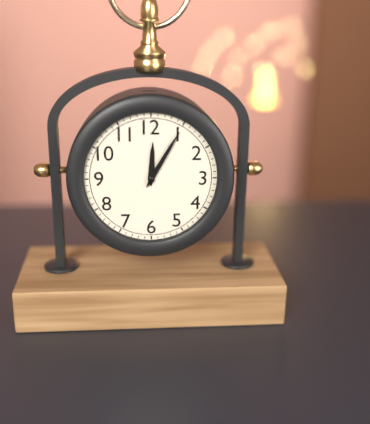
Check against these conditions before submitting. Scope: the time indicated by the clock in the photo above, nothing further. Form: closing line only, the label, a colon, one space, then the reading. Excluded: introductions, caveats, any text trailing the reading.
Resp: 12:05
